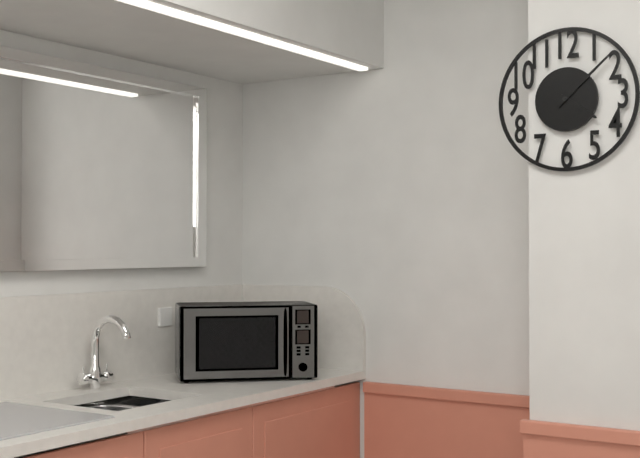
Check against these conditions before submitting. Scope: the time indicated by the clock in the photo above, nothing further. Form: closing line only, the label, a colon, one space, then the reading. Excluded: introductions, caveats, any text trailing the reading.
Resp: 4:08
